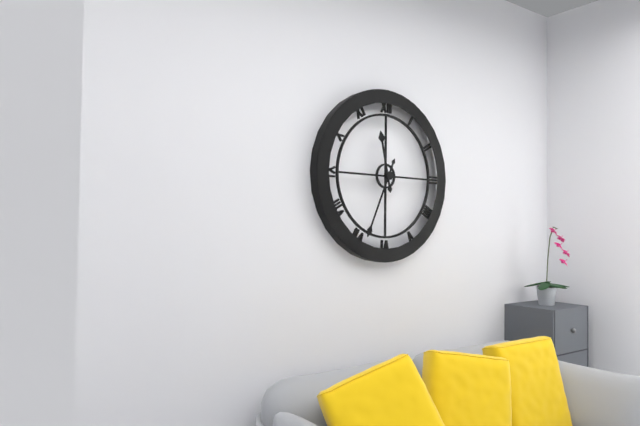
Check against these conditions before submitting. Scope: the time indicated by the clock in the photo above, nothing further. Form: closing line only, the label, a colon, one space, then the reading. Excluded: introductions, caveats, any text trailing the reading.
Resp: 11:34
